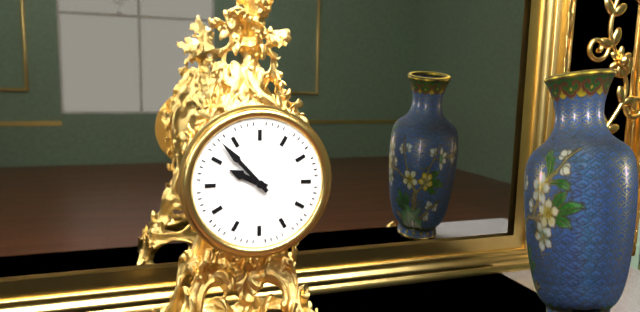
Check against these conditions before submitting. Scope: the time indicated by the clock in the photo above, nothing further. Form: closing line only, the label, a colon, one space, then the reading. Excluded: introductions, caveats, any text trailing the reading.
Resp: 9:53
